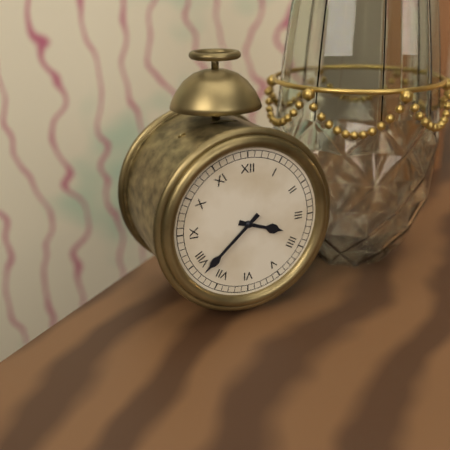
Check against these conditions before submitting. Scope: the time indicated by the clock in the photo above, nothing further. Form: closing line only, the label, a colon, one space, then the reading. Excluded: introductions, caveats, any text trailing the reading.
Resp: 3:38
